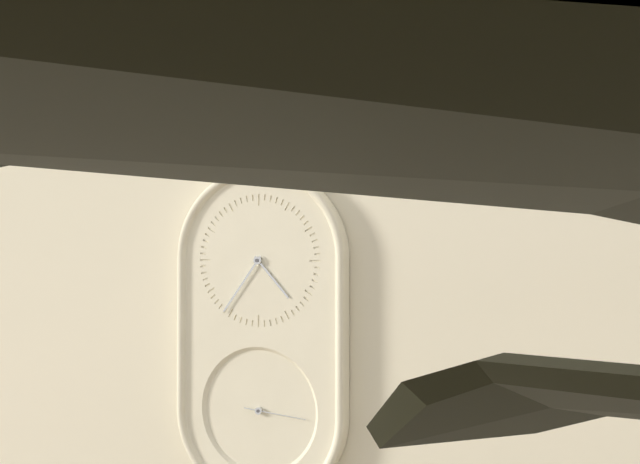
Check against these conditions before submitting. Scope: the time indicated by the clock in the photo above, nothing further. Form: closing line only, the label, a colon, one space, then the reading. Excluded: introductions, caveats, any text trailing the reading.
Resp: 4:36:16
